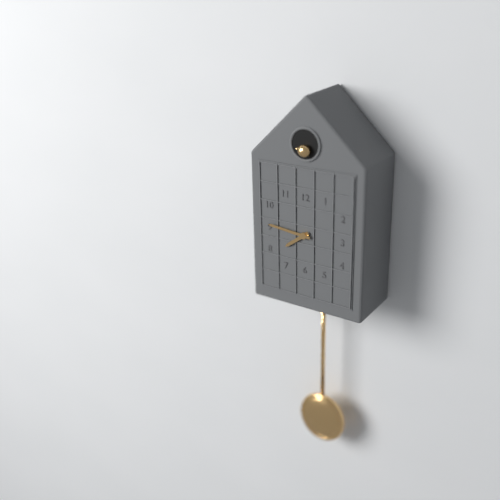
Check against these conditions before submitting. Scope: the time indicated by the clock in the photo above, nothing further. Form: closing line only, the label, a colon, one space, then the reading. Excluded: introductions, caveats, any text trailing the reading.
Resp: 7:46
